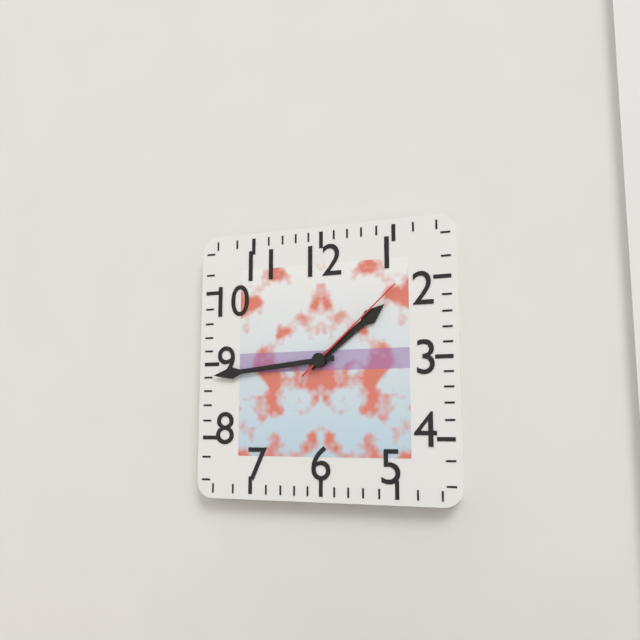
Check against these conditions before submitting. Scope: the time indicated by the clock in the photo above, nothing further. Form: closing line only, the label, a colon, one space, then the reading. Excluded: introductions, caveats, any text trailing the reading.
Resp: 1:44:08
